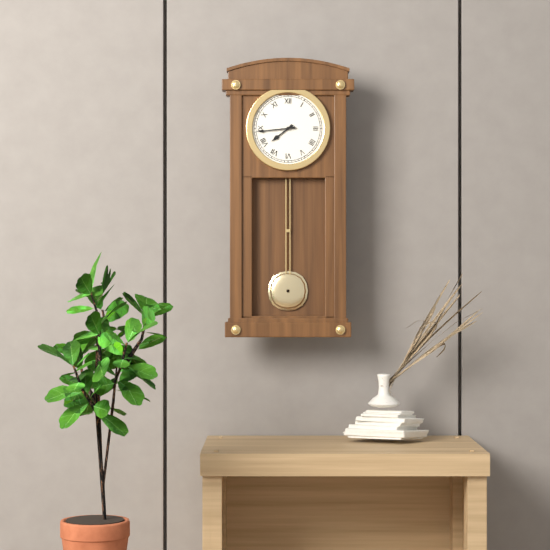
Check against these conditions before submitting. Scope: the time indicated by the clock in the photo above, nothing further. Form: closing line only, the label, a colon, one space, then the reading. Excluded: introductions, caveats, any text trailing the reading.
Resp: 7:44
